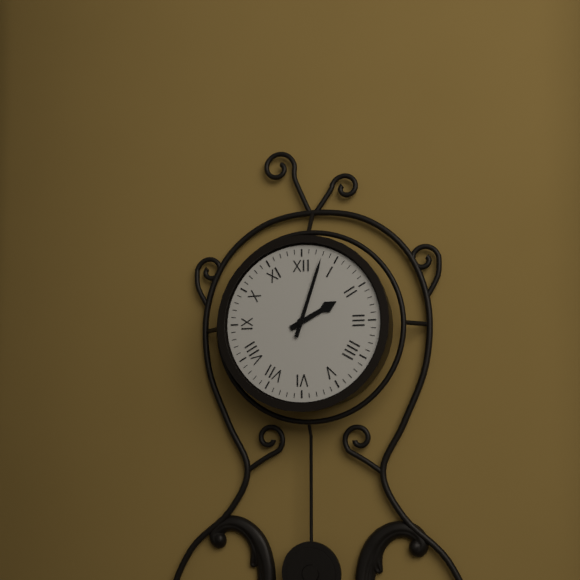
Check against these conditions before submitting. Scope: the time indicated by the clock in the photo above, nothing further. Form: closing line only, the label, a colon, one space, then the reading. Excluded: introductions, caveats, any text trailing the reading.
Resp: 2:03
